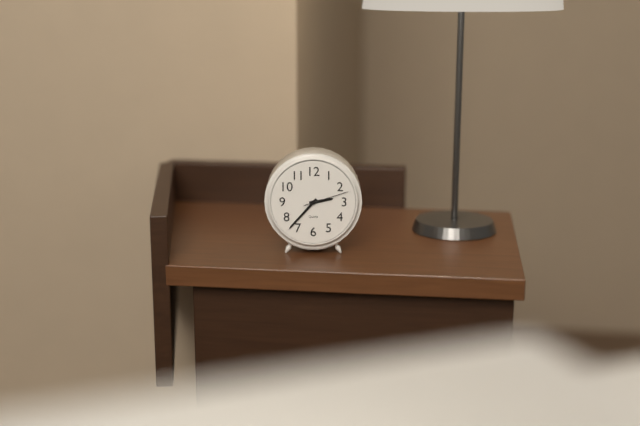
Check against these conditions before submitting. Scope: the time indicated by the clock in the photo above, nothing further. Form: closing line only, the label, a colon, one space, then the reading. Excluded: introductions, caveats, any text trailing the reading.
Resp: 2:37
